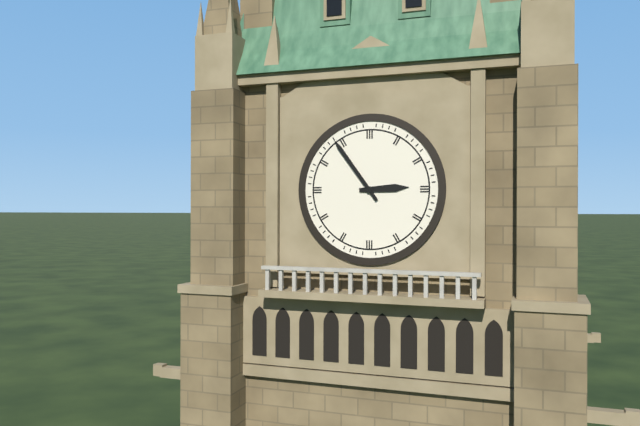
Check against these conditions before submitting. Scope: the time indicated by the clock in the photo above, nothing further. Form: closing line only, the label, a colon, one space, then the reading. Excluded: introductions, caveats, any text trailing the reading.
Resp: 2:54
